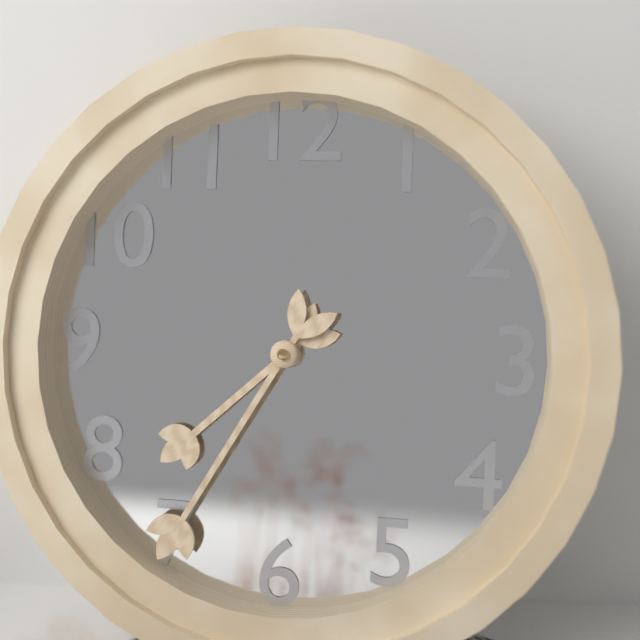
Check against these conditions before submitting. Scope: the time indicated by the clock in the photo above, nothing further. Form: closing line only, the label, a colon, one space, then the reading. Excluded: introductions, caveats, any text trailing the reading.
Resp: 7:35
